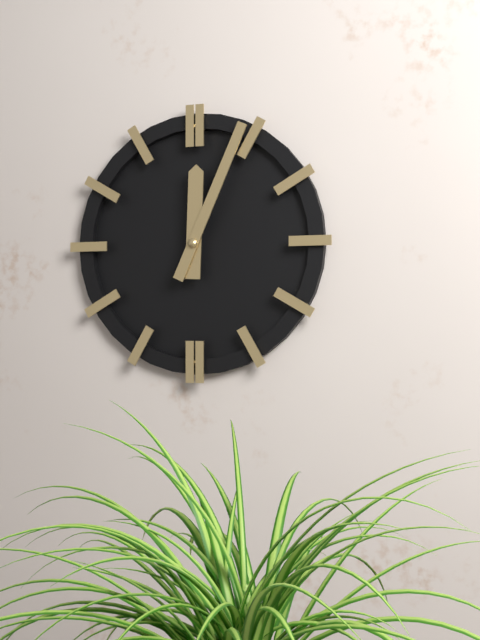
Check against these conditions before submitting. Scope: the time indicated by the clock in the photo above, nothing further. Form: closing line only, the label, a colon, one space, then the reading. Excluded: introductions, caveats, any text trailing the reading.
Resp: 12:04
